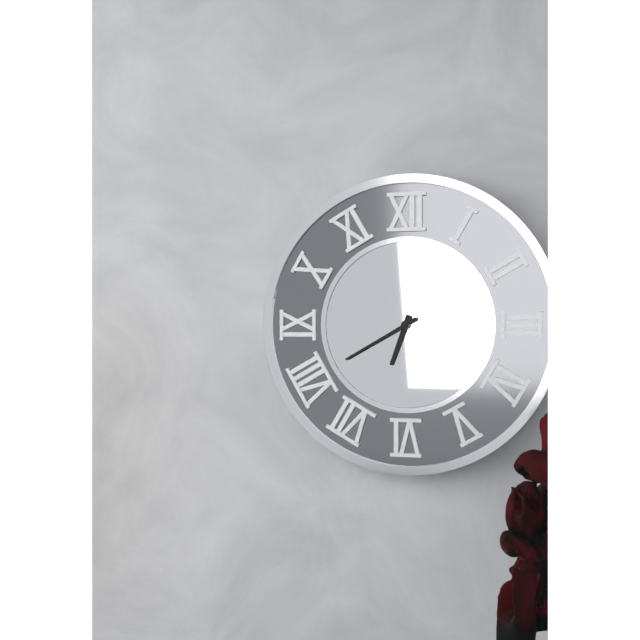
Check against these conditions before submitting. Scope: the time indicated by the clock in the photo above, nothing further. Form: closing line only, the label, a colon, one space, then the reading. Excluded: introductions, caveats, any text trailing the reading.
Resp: 6:40
